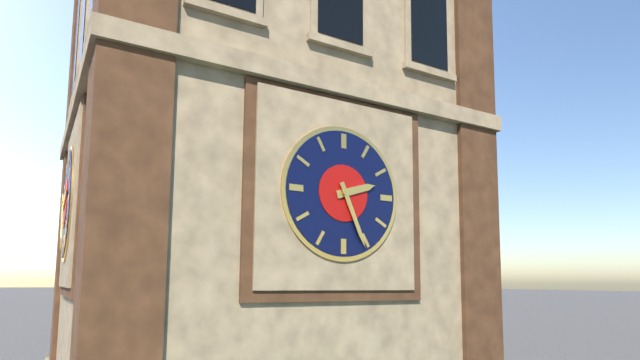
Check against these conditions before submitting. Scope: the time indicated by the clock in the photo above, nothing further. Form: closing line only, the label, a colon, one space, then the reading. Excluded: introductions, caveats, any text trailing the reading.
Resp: 2:26
